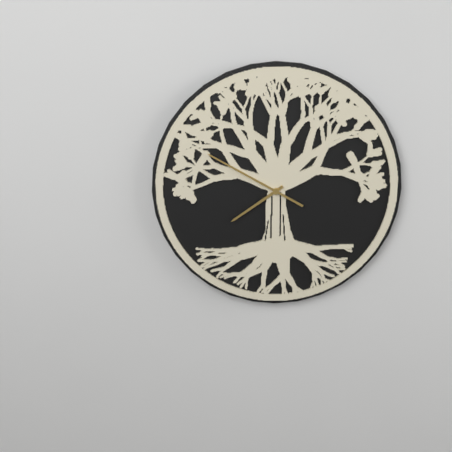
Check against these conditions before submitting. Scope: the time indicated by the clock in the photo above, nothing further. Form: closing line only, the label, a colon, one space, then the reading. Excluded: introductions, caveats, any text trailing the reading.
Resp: 7:50
